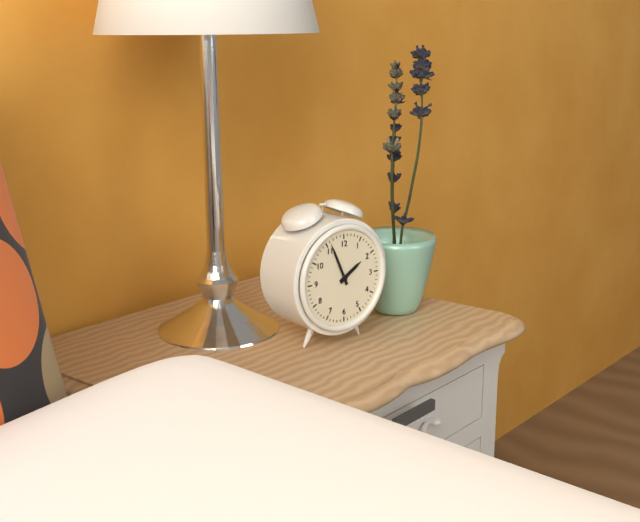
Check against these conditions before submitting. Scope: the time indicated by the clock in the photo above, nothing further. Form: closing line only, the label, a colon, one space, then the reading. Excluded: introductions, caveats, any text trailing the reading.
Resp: 1:56
